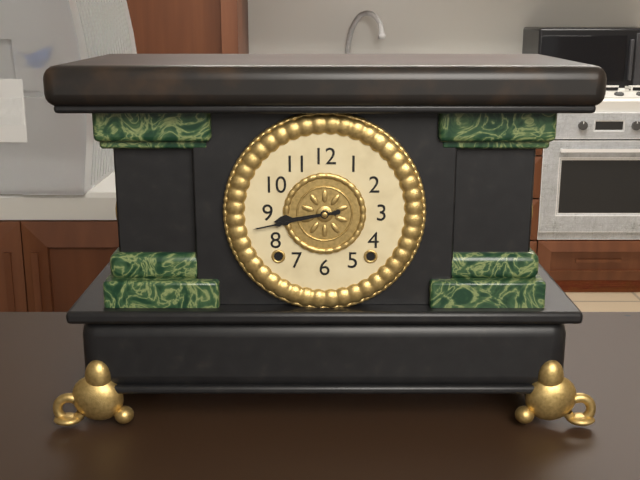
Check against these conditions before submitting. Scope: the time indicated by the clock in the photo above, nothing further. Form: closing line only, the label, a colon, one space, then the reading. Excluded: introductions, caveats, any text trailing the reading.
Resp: 8:43
